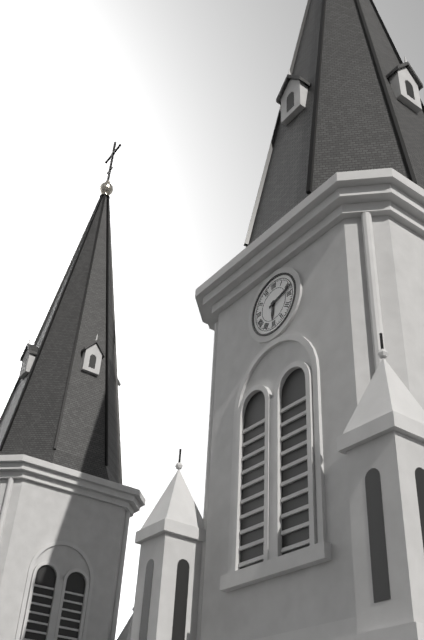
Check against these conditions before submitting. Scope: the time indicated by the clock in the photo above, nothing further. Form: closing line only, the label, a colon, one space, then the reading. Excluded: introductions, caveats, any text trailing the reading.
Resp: 6:12
